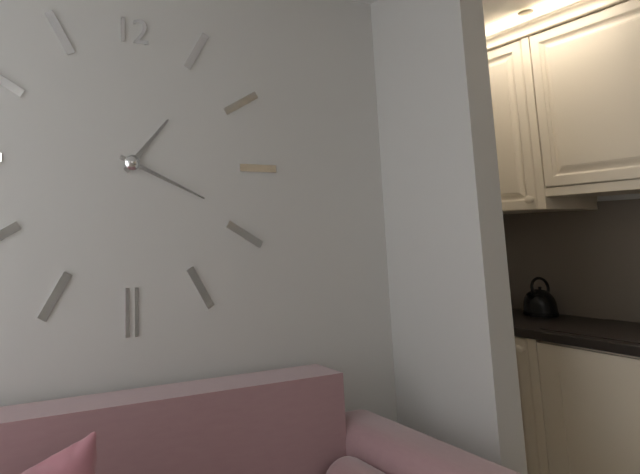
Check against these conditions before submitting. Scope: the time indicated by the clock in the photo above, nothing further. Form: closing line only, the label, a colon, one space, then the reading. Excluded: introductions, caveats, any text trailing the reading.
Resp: 1:19
